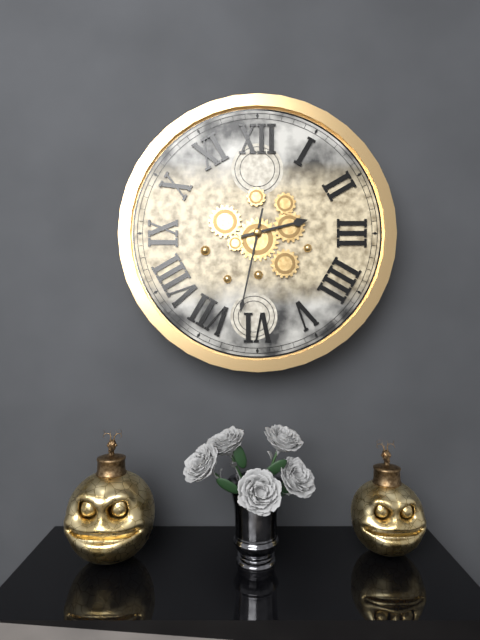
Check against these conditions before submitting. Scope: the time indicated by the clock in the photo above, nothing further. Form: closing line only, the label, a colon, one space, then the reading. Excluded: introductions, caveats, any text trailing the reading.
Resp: 2:32
